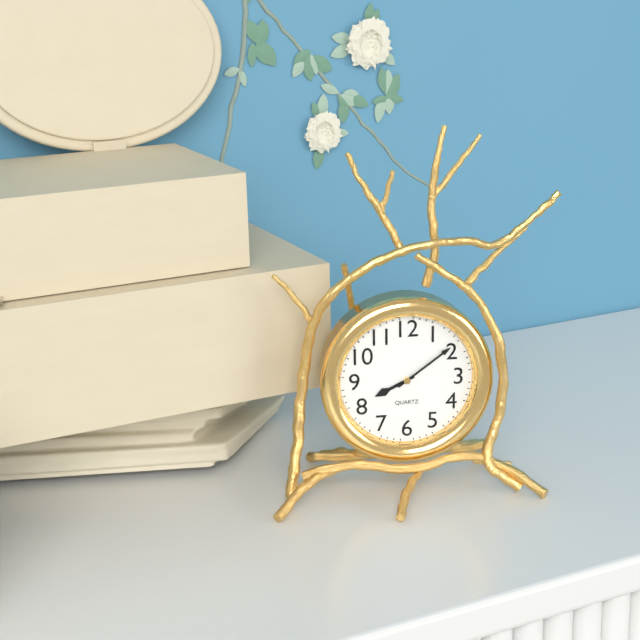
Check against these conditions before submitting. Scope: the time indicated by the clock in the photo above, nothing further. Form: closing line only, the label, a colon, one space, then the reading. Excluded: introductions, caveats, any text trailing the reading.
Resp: 8:09
